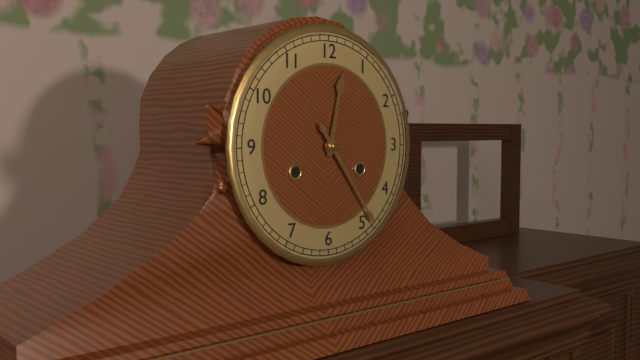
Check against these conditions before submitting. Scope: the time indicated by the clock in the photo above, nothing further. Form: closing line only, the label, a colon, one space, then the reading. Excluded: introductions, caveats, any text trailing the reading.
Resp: 12:24
